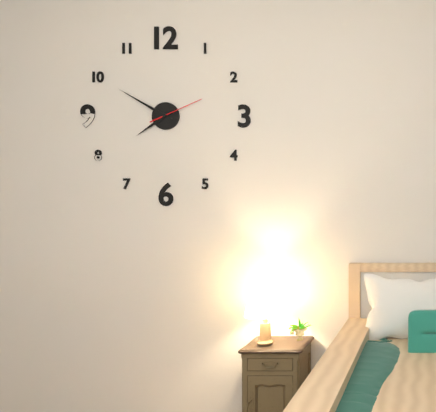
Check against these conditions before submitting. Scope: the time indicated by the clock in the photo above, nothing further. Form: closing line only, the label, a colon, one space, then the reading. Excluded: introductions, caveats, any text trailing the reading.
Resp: 7:50
